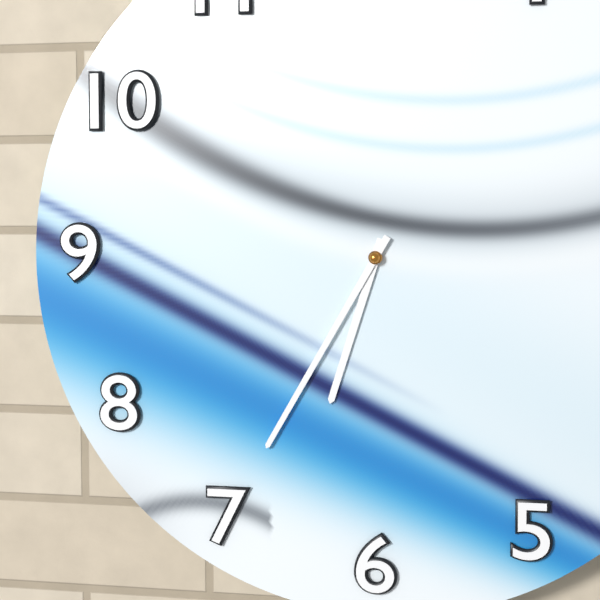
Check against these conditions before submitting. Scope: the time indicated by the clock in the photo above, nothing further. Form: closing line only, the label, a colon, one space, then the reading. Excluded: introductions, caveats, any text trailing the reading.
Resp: 6:35
